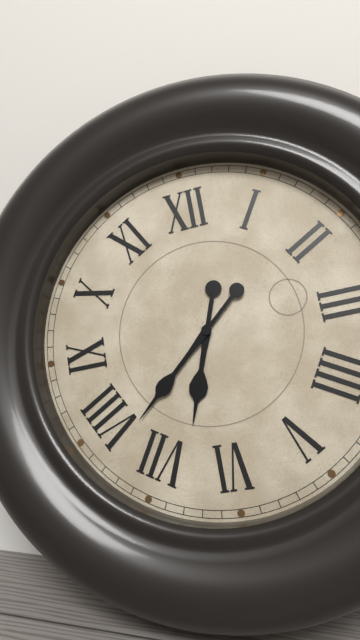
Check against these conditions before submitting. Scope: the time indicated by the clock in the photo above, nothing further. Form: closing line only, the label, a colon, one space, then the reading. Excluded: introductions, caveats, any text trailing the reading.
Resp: 6:38
